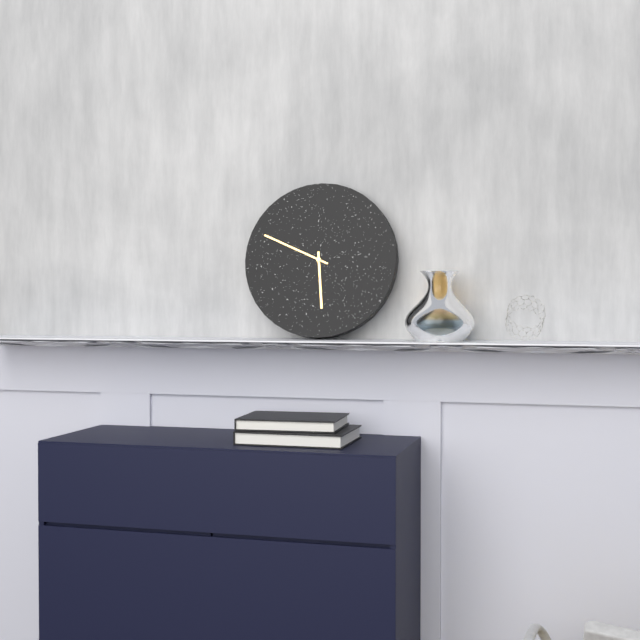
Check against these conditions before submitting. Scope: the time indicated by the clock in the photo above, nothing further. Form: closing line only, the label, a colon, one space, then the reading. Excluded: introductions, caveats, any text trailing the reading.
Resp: 5:49
